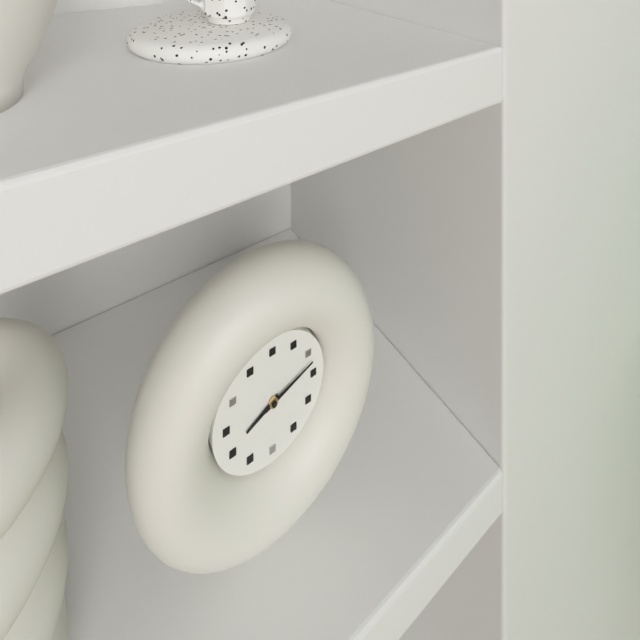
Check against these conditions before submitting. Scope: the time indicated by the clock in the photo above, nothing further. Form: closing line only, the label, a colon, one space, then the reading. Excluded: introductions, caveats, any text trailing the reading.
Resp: 8:12
